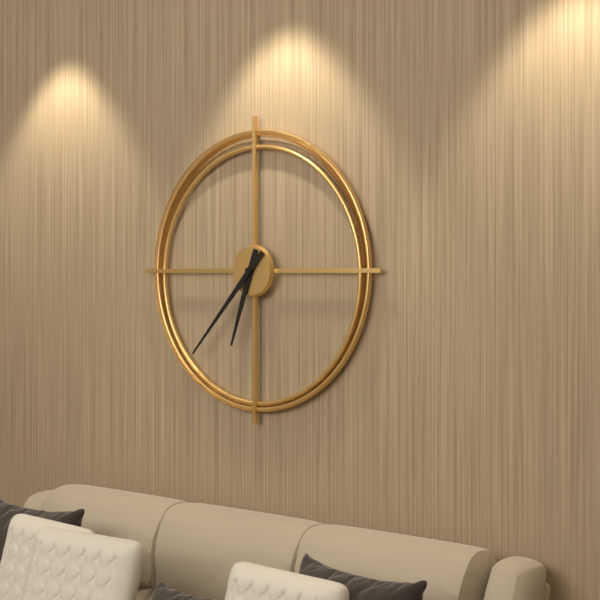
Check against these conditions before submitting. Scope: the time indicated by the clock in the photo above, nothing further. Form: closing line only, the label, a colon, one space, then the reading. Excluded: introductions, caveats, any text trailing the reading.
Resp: 6:37
